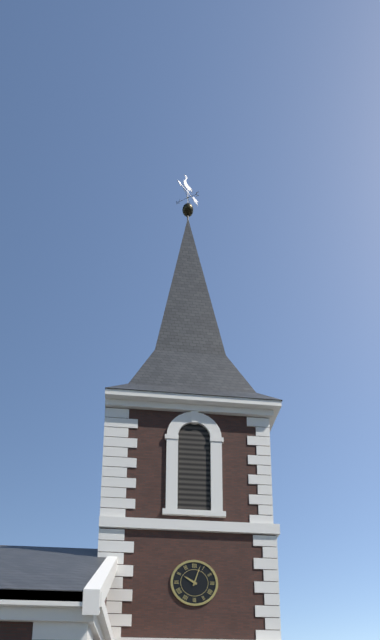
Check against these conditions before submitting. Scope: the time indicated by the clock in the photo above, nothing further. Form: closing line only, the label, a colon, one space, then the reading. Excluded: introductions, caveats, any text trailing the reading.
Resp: 10:03
